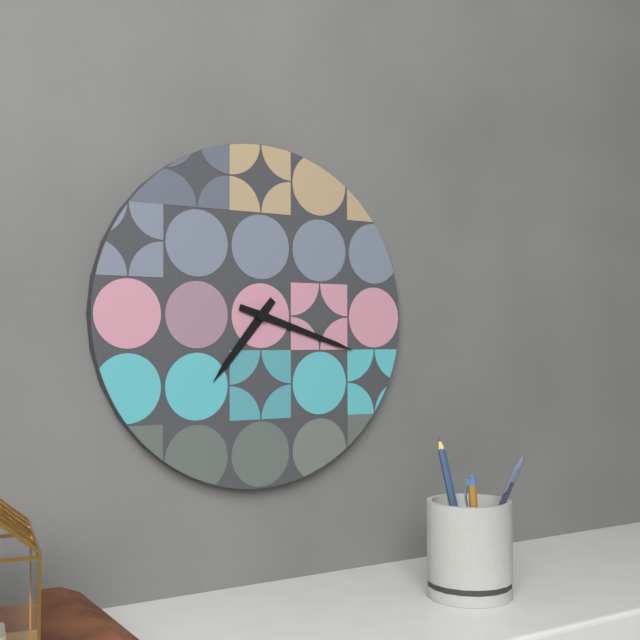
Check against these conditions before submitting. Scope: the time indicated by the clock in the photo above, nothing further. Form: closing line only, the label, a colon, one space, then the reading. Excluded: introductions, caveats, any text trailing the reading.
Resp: 7:18
